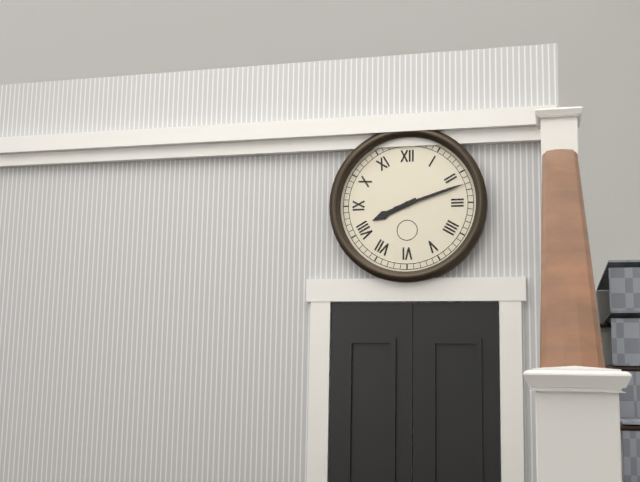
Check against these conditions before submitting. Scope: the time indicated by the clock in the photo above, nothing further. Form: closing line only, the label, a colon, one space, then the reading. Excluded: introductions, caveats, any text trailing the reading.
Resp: 8:12
